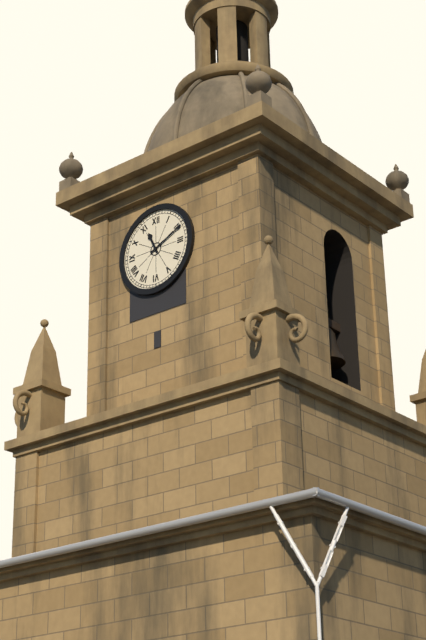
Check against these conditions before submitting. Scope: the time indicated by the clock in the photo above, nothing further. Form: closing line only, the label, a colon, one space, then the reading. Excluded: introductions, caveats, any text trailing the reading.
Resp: 11:11
